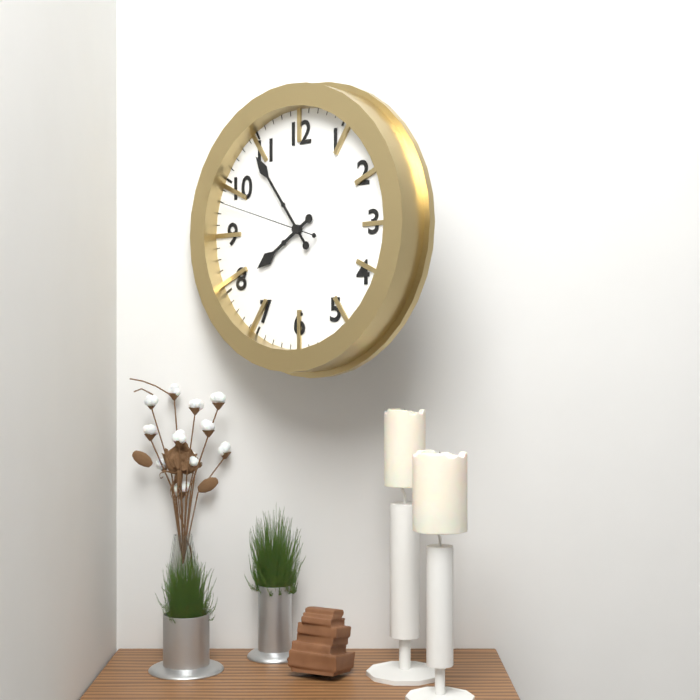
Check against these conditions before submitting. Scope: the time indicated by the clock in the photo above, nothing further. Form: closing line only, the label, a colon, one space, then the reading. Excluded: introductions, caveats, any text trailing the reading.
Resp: 7:54:48
